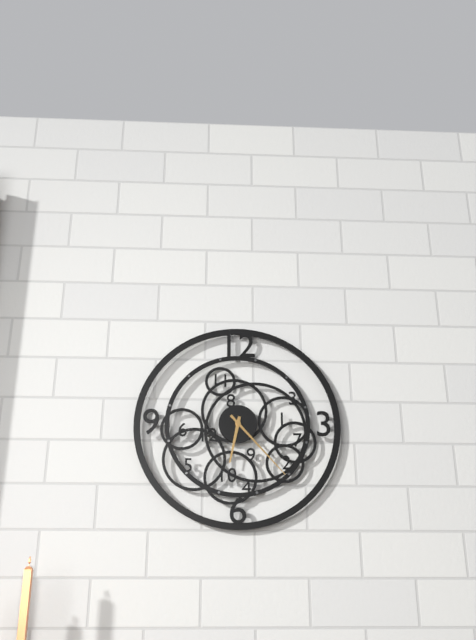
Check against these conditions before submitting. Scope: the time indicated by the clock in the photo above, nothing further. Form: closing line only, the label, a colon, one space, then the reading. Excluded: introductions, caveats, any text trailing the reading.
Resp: 6:23
